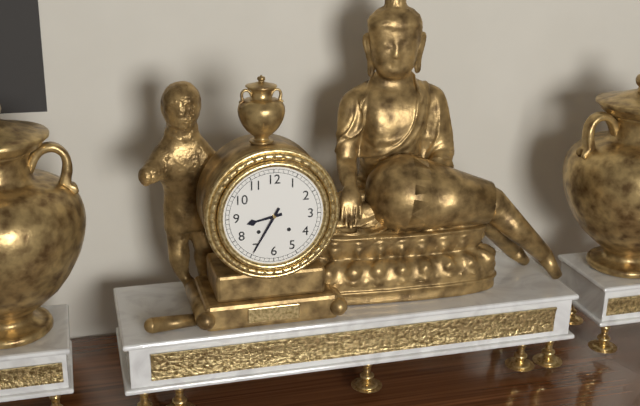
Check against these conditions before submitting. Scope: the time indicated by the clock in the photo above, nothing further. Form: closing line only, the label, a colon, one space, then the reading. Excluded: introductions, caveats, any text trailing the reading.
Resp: 8:35
